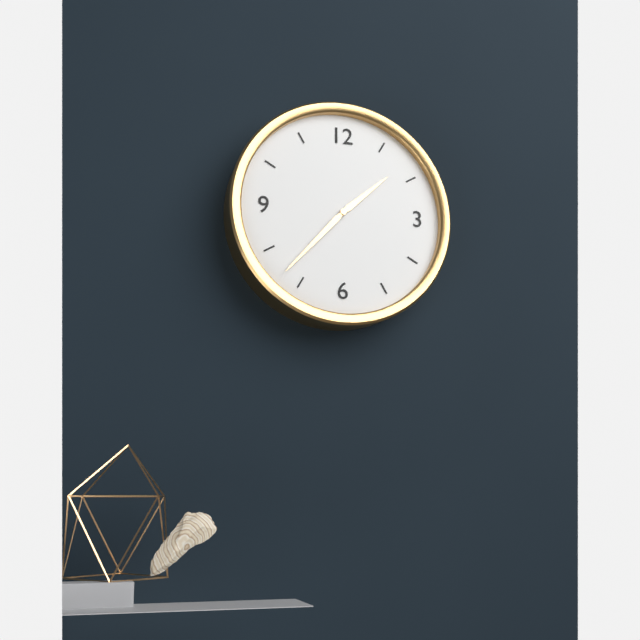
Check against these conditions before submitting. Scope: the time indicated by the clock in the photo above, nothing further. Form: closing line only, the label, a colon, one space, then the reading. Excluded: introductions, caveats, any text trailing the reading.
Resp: 1:37
